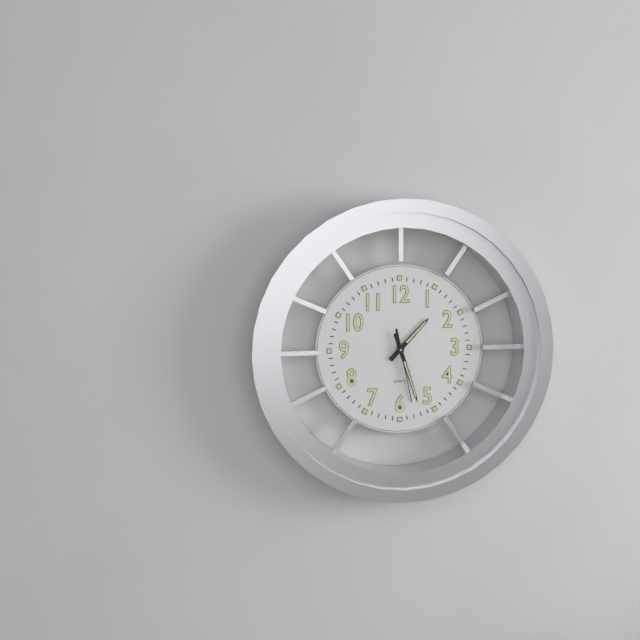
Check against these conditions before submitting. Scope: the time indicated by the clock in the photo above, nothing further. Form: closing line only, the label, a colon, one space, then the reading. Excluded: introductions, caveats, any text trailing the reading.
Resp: 1:27:28
